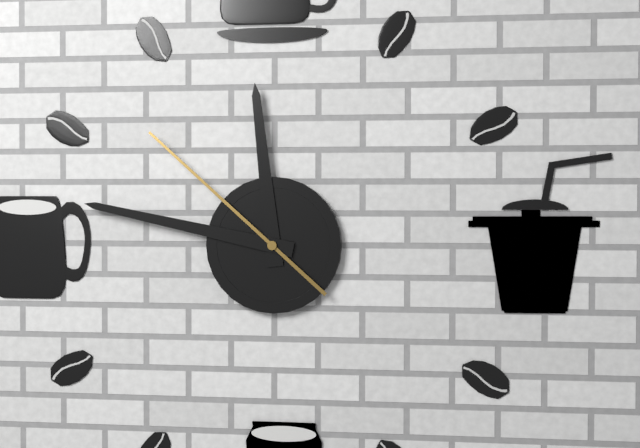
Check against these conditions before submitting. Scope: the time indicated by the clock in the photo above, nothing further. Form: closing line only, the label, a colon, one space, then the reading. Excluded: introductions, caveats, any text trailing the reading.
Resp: 11:47:52
